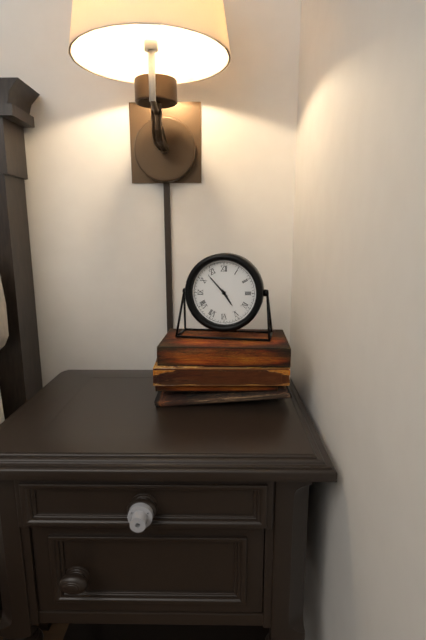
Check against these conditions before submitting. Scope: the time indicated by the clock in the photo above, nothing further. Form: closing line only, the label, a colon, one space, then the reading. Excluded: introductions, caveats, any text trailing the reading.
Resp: 4:53
